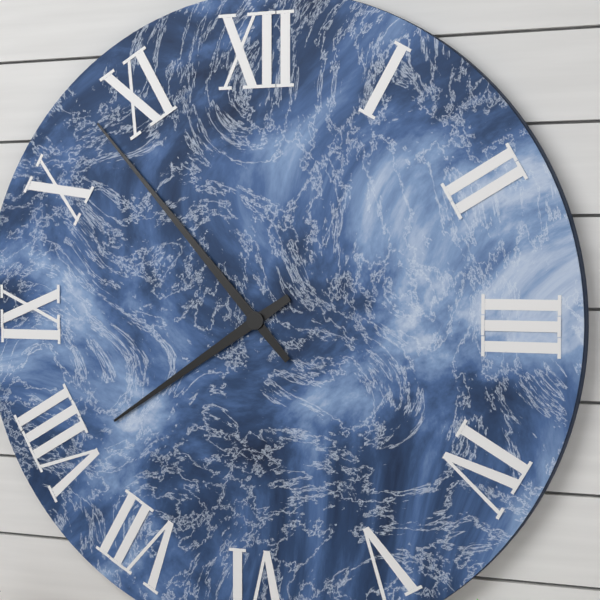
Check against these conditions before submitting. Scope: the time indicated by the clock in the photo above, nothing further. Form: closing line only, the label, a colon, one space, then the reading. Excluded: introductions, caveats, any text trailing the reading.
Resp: 7:53
